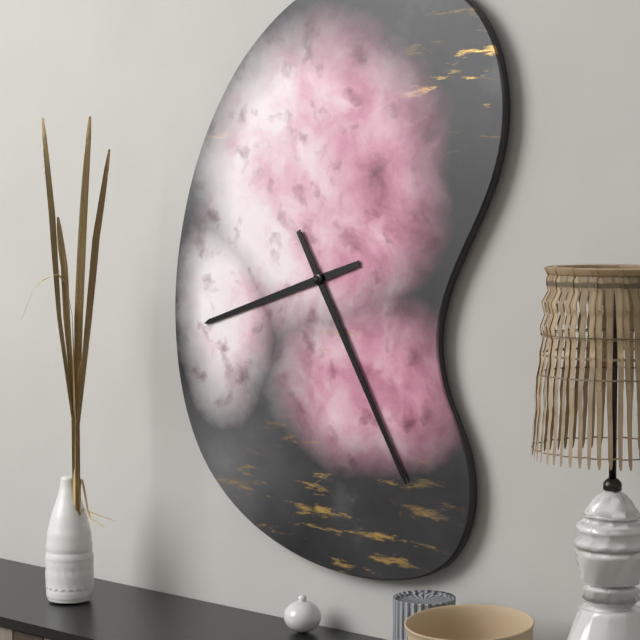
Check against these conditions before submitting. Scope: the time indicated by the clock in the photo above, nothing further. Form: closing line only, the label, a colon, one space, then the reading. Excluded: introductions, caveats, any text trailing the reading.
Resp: 8:25
